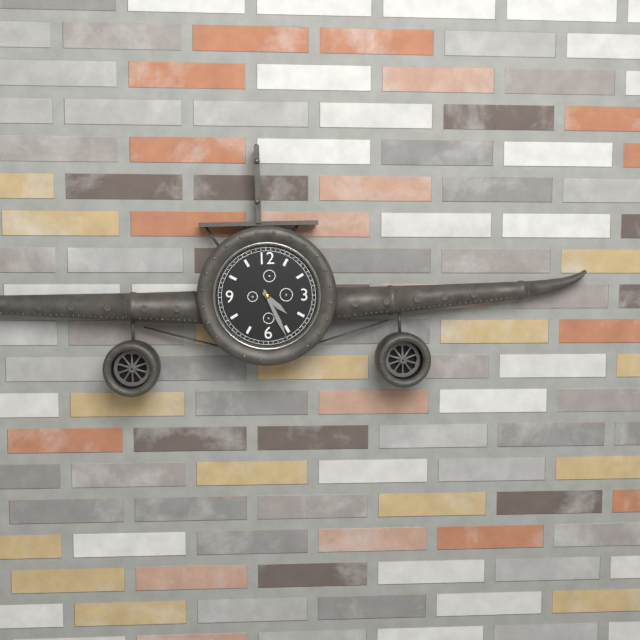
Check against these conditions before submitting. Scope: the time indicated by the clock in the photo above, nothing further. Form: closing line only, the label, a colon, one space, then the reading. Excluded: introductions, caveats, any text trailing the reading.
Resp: 4:26
